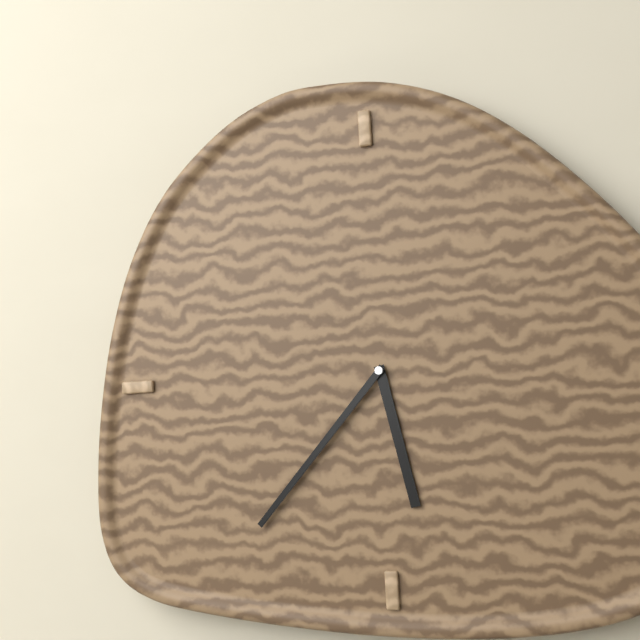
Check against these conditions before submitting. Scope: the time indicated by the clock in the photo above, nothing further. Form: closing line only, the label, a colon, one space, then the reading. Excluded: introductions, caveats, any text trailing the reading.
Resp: 5:37
